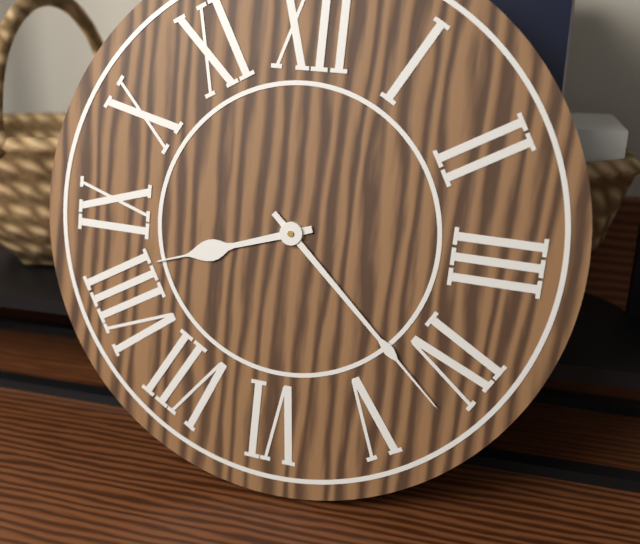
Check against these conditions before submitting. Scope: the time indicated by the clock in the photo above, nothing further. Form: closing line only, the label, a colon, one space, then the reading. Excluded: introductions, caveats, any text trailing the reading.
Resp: 8:22
